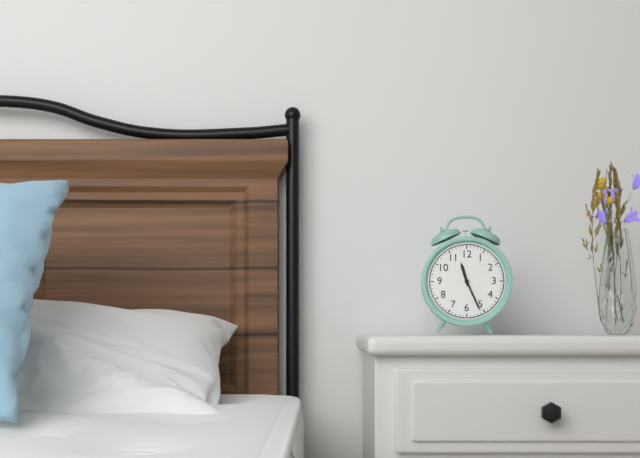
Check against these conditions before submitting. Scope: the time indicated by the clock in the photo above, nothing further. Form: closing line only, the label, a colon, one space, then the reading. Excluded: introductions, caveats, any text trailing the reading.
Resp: 11:26
